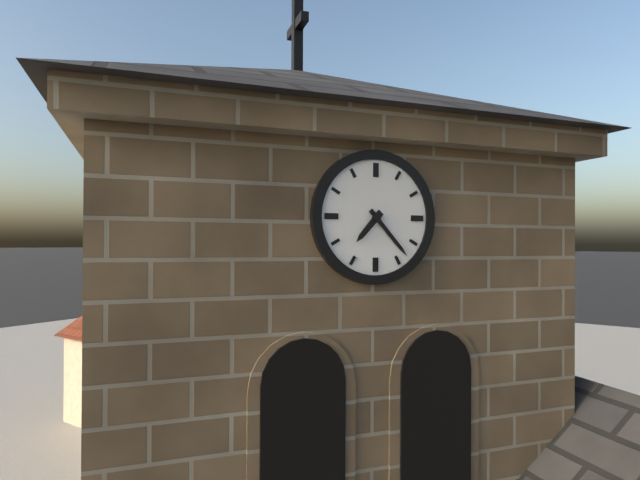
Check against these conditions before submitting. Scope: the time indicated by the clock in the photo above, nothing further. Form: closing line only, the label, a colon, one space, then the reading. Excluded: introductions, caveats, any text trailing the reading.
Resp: 7:23
